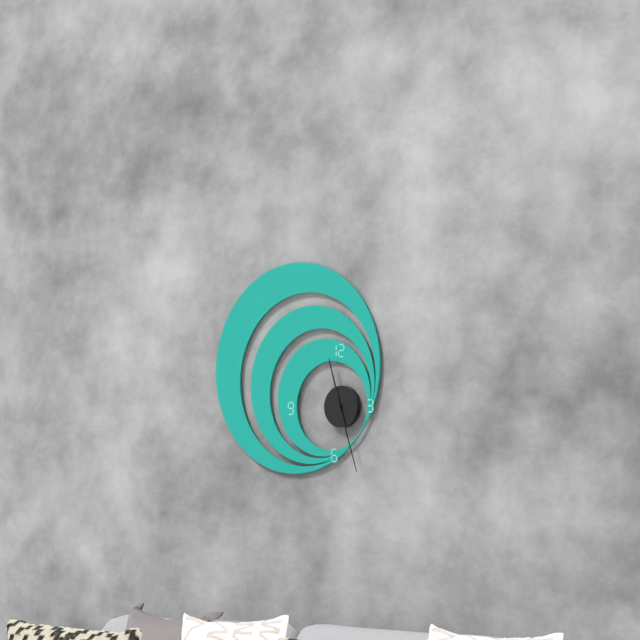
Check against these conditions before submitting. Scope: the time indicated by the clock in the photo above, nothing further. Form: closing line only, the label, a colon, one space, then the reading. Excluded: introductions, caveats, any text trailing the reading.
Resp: 11:27
